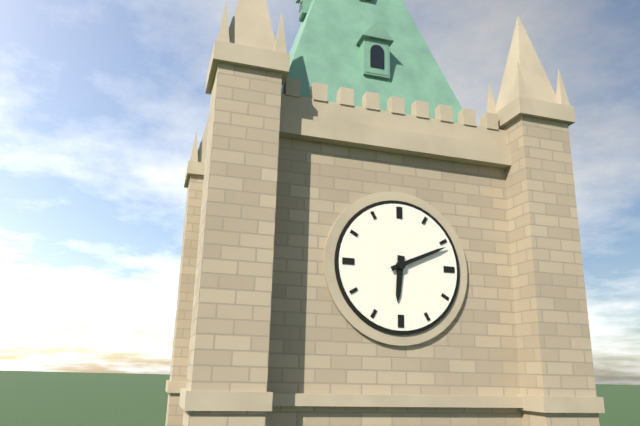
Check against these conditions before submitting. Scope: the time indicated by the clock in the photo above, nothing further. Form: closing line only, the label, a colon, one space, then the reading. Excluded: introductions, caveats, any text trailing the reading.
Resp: 6:11
